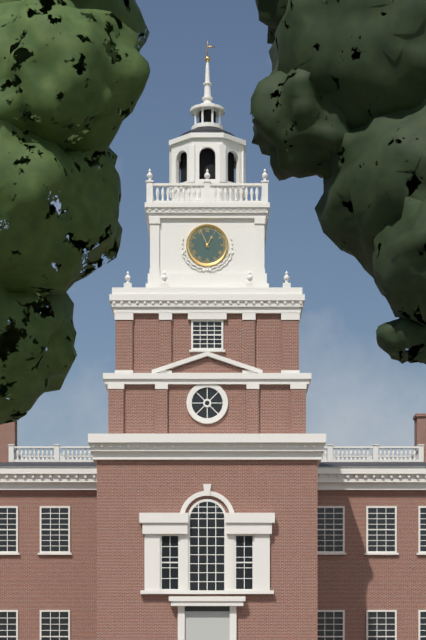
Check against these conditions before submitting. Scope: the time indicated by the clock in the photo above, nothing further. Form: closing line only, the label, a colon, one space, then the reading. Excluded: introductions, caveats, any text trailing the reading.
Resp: 12:56
